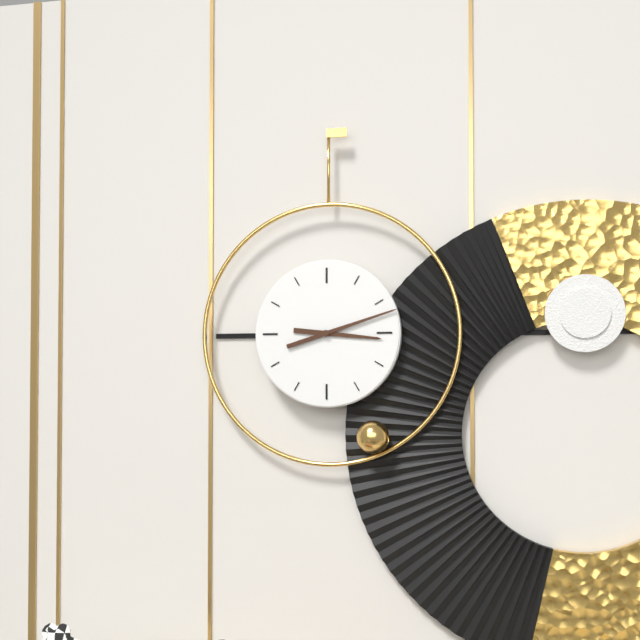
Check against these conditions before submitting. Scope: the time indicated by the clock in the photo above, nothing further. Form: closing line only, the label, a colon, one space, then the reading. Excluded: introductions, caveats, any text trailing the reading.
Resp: 3:12
